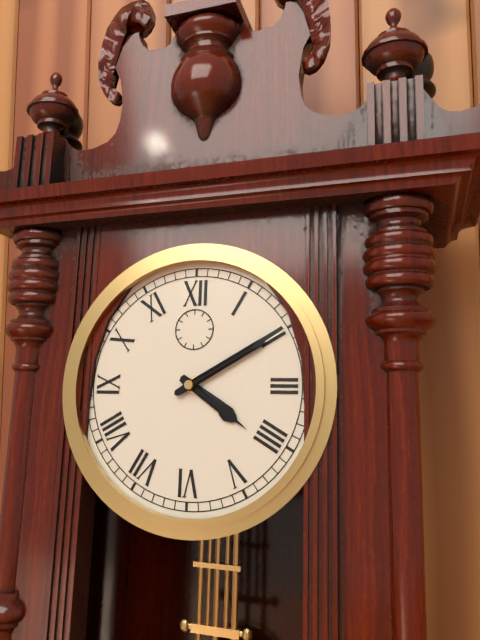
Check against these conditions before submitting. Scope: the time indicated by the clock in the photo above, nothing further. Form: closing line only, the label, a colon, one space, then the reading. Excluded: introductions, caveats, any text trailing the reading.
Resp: 4:10
